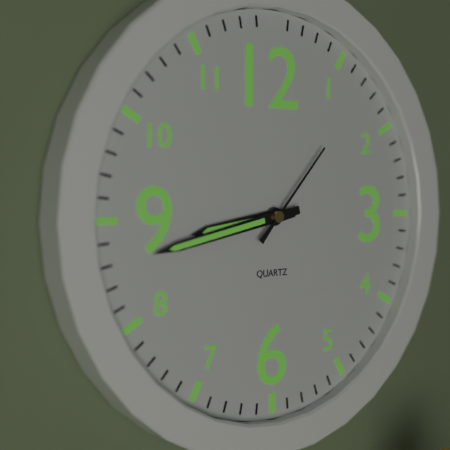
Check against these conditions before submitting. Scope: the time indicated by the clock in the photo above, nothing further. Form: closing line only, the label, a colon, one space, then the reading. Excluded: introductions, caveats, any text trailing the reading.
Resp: 8:43:07
